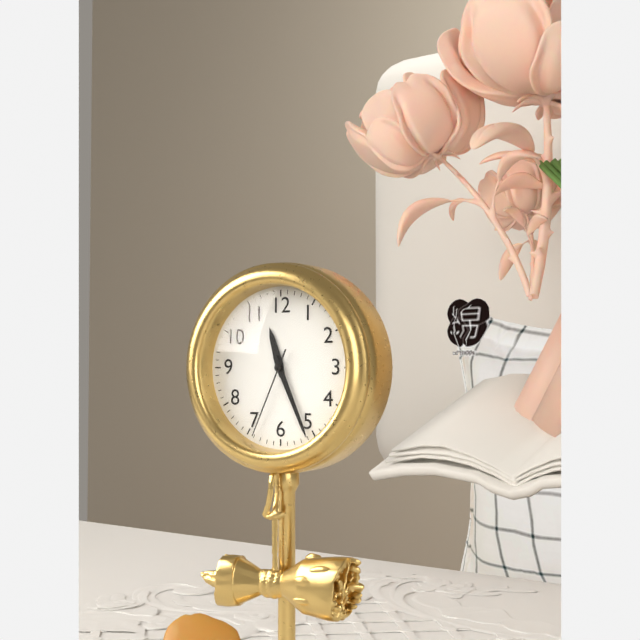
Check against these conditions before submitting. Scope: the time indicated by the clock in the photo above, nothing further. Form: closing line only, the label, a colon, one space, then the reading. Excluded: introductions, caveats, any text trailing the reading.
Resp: 11:26:34
